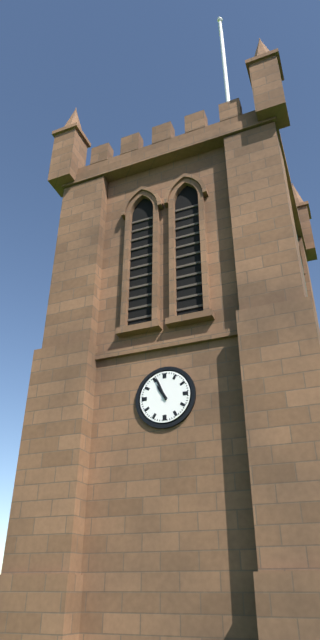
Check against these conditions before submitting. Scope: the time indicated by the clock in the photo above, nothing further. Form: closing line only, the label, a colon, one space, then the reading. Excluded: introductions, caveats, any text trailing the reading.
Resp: 10:56
